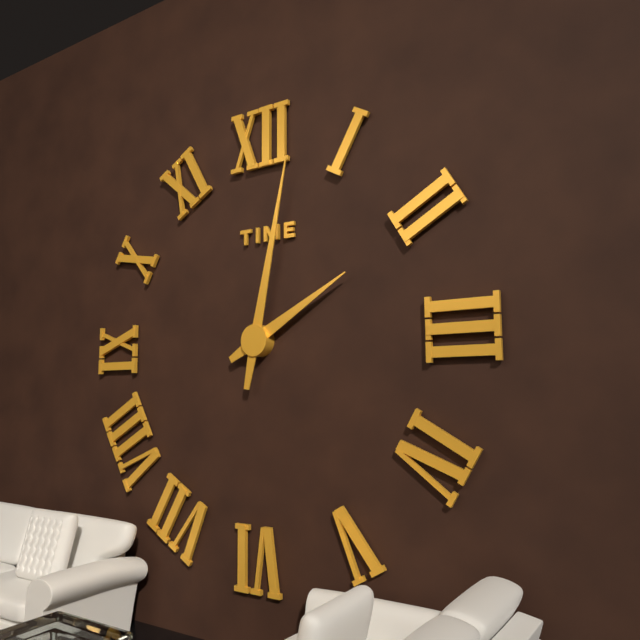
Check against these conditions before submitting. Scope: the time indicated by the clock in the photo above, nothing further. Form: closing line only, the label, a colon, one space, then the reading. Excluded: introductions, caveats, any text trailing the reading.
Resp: 2:02
